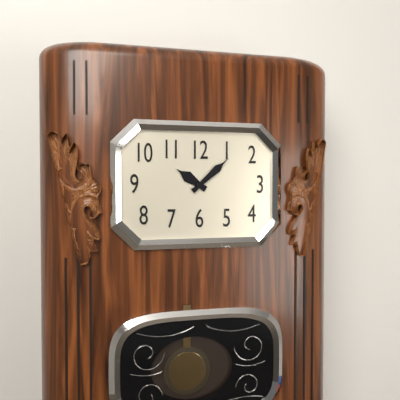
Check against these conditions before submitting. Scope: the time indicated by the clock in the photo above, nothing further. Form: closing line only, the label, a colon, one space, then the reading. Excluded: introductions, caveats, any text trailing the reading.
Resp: 10:08
